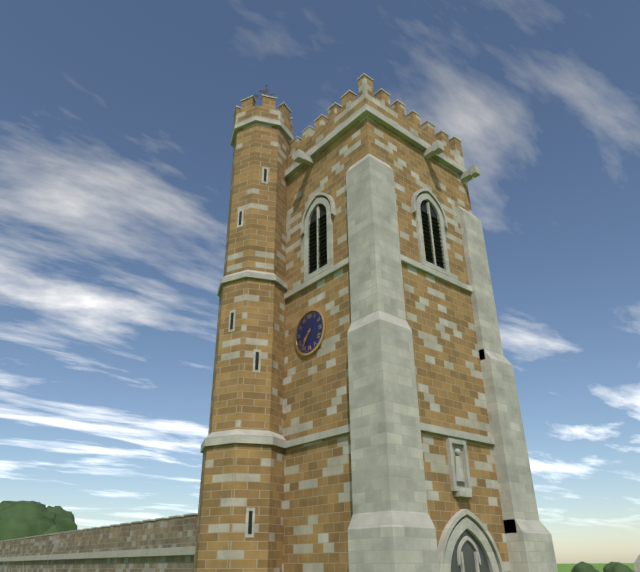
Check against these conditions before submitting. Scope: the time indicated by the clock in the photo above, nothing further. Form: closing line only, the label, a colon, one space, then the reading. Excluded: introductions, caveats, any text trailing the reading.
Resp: 7:36
